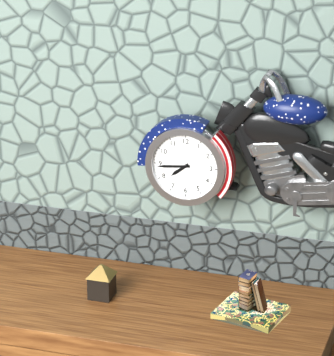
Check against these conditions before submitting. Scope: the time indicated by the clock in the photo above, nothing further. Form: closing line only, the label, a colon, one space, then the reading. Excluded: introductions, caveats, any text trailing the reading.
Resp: 7:44
